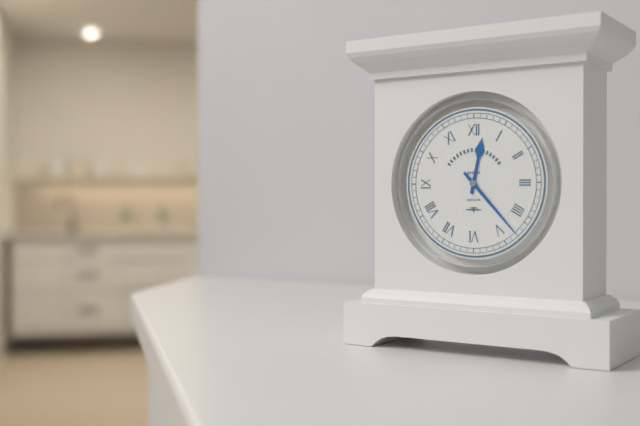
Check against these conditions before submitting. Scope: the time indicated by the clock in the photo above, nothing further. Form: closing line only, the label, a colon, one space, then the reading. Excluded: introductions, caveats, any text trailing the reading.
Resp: 12:23
